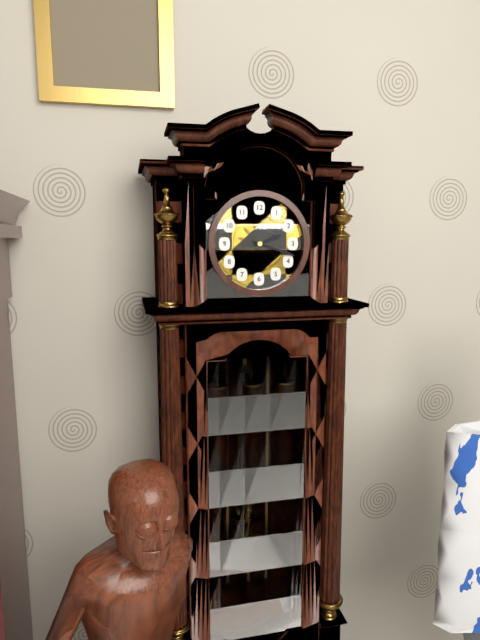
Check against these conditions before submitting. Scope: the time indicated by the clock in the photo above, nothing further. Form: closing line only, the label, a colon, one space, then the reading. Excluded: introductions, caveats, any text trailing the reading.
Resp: 2:18
